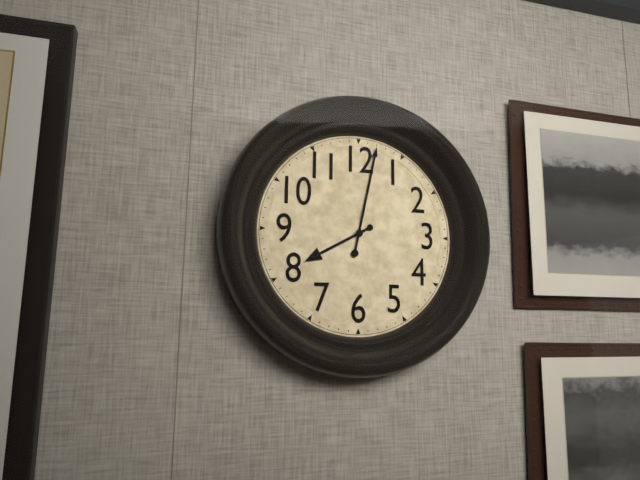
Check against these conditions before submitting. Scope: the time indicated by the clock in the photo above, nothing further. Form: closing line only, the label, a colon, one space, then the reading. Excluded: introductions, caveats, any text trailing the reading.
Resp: 8:02
